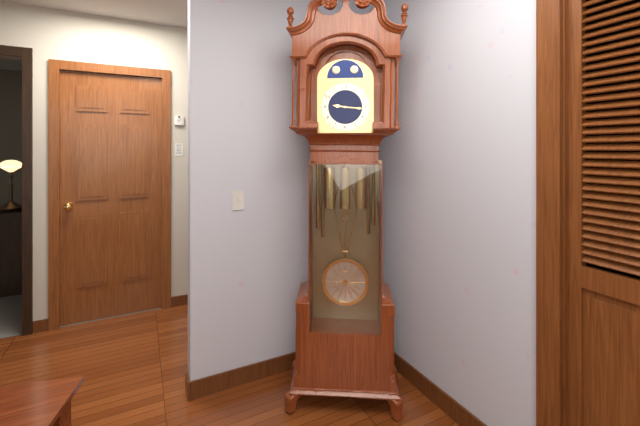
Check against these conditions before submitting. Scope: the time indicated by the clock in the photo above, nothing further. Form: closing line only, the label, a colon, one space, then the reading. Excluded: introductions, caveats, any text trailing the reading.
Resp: 9:16
